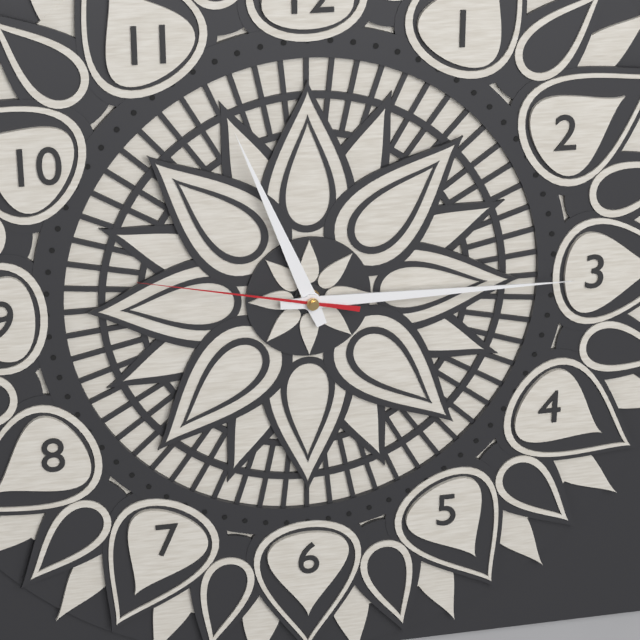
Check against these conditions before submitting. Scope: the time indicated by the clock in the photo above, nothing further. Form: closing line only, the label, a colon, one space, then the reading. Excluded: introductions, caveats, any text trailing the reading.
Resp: 11:15:47
